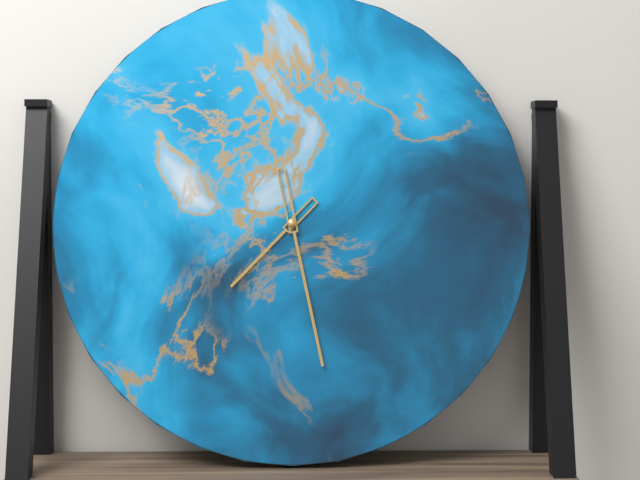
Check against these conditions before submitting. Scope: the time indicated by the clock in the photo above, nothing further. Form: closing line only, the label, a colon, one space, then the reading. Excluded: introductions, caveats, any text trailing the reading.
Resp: 7:28
